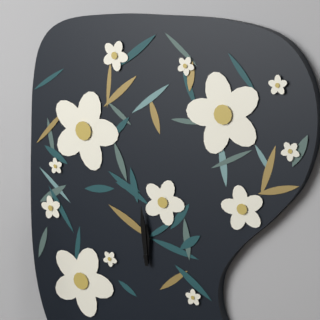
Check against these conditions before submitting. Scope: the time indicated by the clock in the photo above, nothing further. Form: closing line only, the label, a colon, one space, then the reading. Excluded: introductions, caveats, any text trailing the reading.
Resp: 11:59
